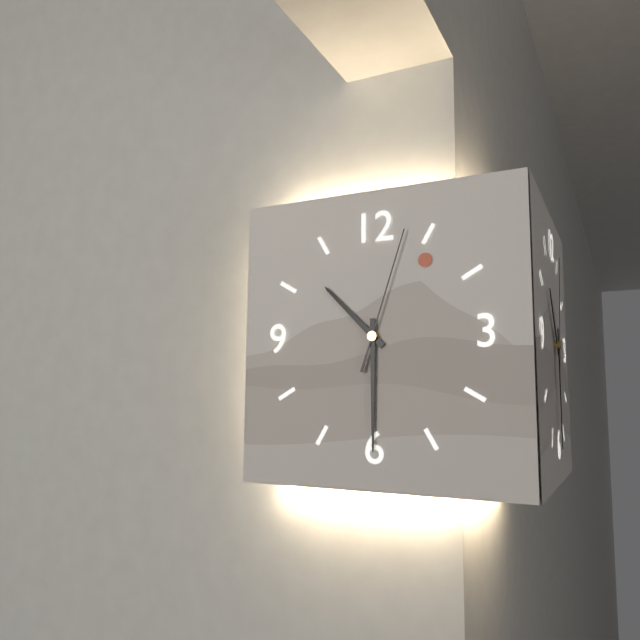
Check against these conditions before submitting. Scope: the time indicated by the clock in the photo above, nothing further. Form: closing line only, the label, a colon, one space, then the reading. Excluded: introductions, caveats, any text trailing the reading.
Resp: 10:30:03
